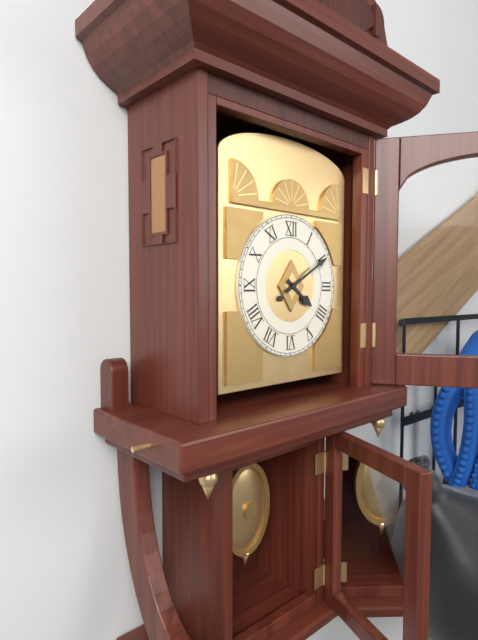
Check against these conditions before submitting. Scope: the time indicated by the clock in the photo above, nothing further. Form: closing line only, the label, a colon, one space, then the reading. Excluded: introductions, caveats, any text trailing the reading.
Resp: 4:10
